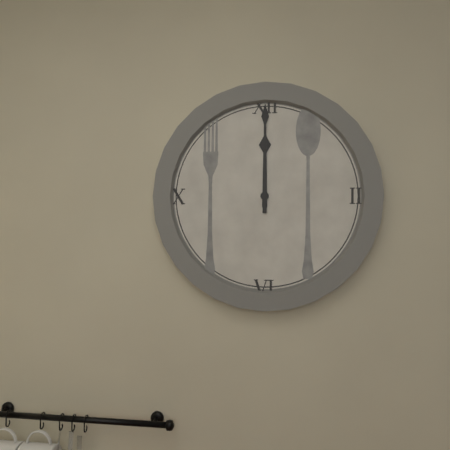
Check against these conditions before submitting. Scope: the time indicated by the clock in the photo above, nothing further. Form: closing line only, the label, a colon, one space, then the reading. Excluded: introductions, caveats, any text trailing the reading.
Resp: 12:00
